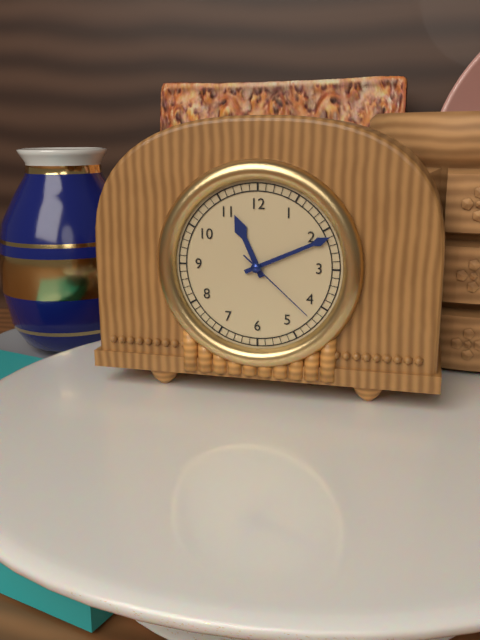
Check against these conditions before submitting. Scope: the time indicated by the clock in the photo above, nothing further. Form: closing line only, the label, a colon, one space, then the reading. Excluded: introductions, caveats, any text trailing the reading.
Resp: 11:11:22
